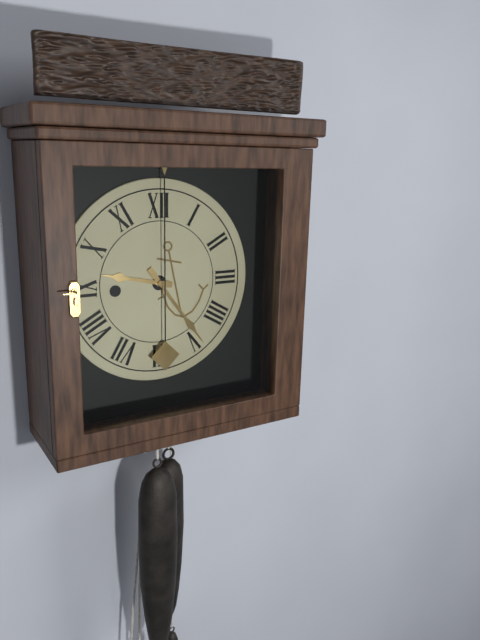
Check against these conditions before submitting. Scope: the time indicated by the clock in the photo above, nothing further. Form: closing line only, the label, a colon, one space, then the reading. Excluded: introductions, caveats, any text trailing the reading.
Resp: 9:24
